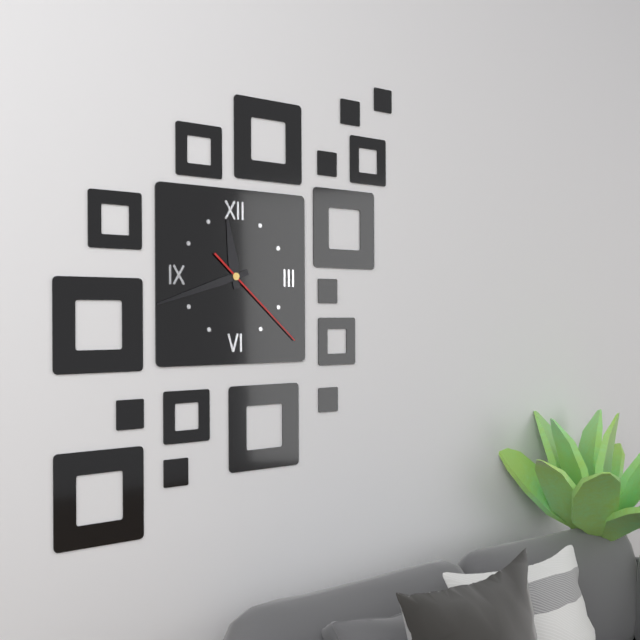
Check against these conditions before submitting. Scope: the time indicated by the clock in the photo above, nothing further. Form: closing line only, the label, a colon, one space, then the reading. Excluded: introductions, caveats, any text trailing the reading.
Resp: 11:42:22
